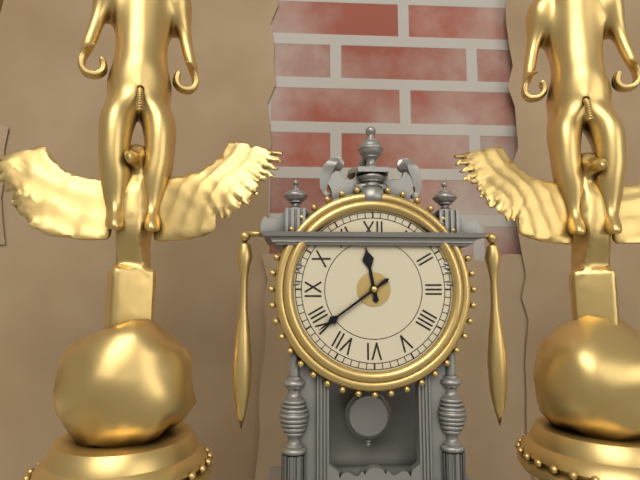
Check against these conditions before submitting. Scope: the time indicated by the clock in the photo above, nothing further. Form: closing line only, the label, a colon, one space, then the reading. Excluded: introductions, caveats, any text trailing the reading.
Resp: 11:39
